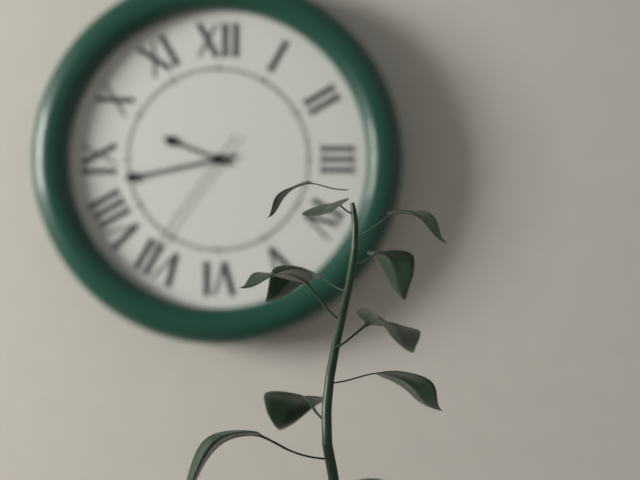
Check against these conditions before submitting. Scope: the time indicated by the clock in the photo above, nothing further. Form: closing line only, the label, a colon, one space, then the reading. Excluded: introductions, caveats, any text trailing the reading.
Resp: 9:43:36
